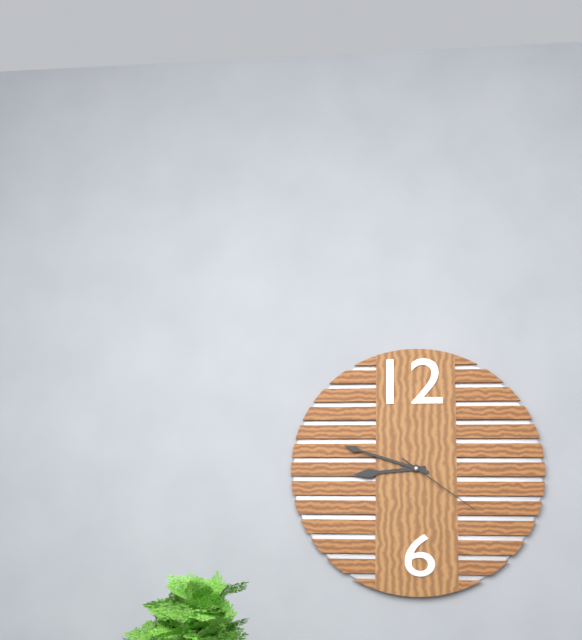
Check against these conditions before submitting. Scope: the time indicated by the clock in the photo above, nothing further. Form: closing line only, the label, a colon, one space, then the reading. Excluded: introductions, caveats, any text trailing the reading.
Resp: 8:48:21
